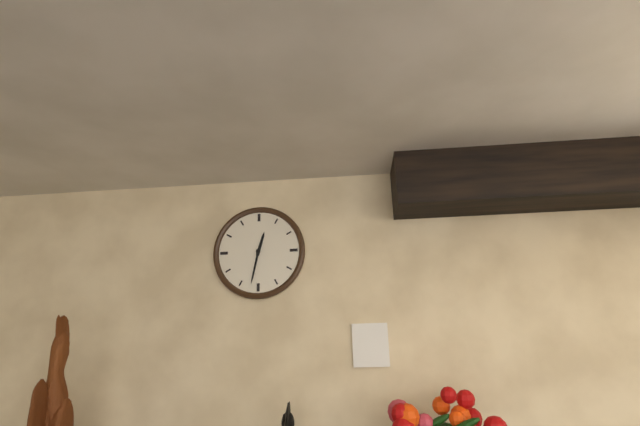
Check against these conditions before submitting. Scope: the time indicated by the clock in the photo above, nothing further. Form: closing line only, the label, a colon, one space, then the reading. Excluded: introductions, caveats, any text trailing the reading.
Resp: 12:32
